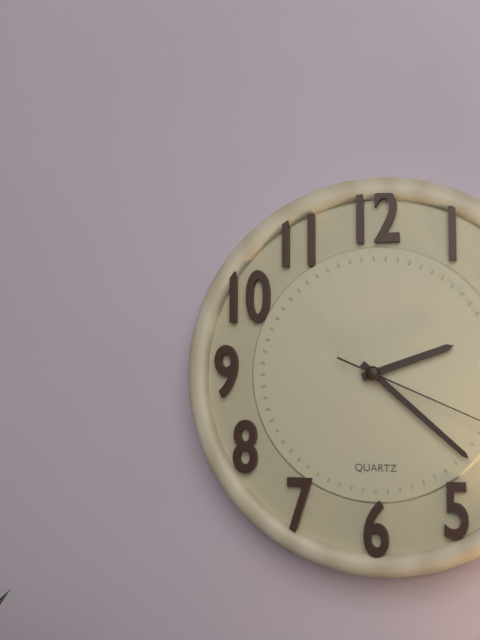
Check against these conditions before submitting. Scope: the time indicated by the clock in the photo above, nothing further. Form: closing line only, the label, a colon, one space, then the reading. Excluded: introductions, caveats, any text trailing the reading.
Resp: 2:22
